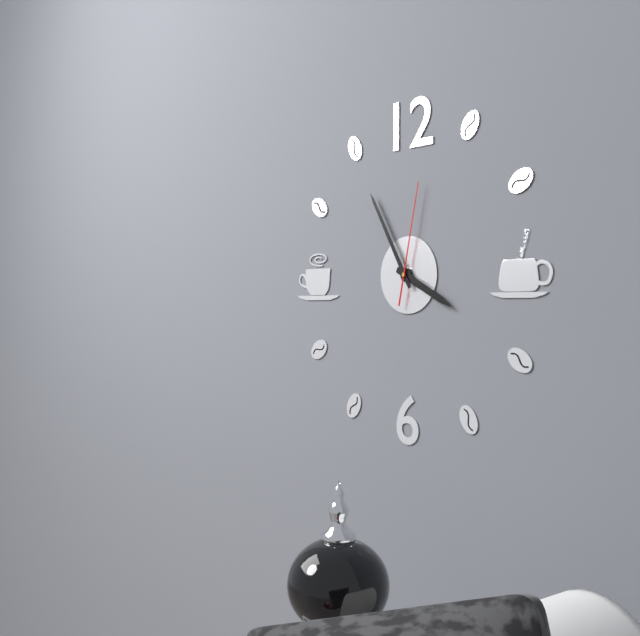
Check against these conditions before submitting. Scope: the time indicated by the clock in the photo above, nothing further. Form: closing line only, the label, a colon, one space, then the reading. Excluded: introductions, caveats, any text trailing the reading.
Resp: 3:55:02
